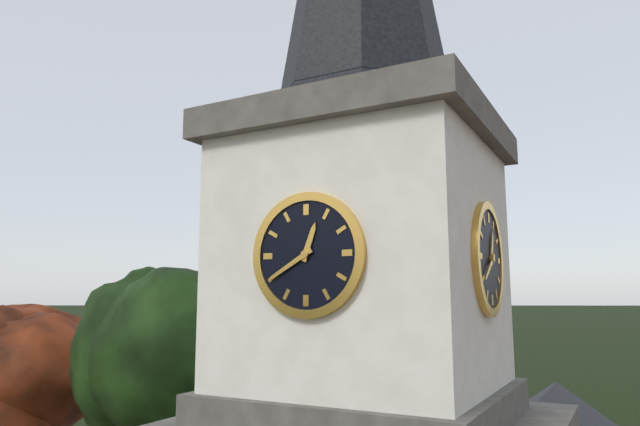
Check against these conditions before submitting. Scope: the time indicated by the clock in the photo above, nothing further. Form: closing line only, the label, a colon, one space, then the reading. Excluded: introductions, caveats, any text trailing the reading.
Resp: 12:40
